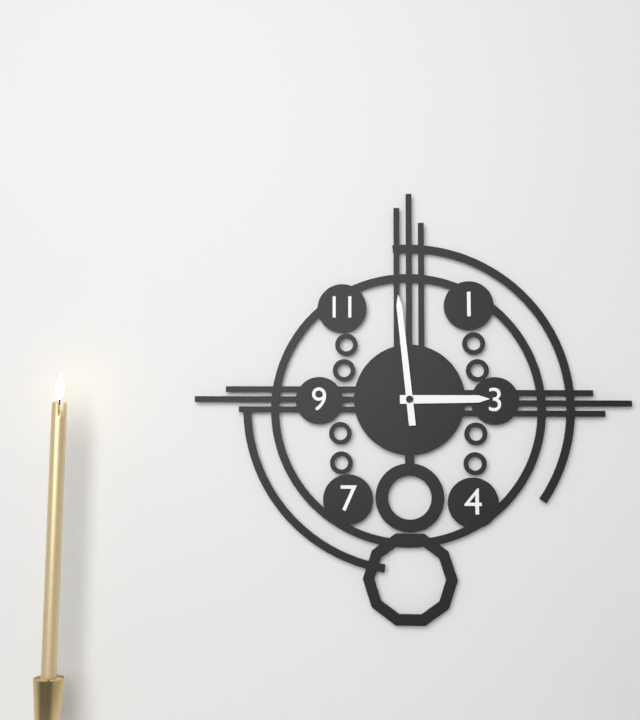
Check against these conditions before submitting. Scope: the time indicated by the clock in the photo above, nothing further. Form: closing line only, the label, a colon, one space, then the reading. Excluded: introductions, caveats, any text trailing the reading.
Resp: 2:59
